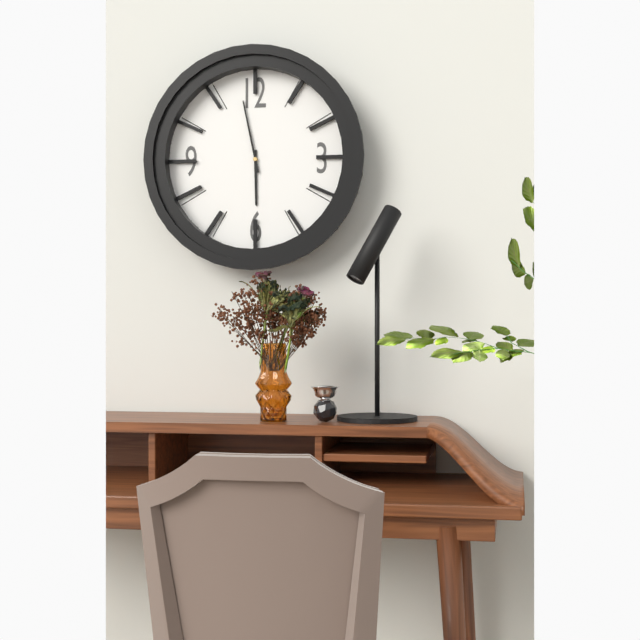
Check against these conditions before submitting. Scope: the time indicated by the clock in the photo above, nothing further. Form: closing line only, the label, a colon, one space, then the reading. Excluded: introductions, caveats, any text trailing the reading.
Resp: 5:58
